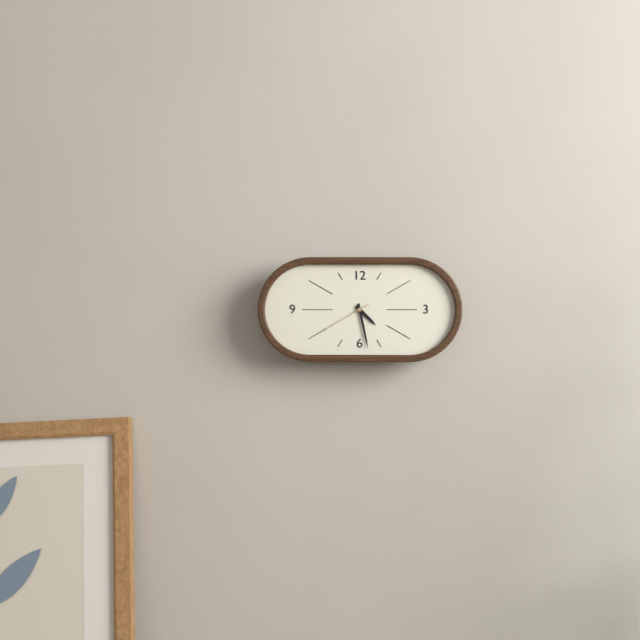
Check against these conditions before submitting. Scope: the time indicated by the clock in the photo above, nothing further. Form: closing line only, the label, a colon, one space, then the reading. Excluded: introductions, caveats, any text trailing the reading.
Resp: 4:28
